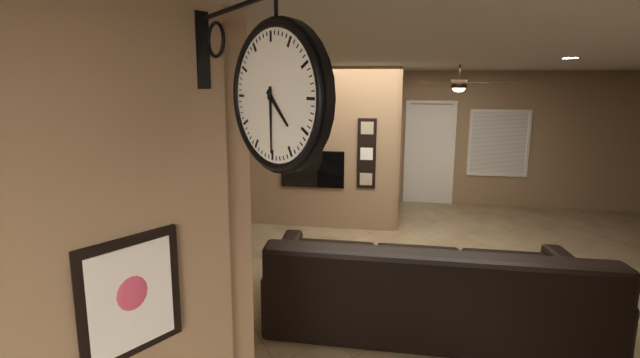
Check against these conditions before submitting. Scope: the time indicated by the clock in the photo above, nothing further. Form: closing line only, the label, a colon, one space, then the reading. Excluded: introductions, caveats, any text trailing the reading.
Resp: 4:30
